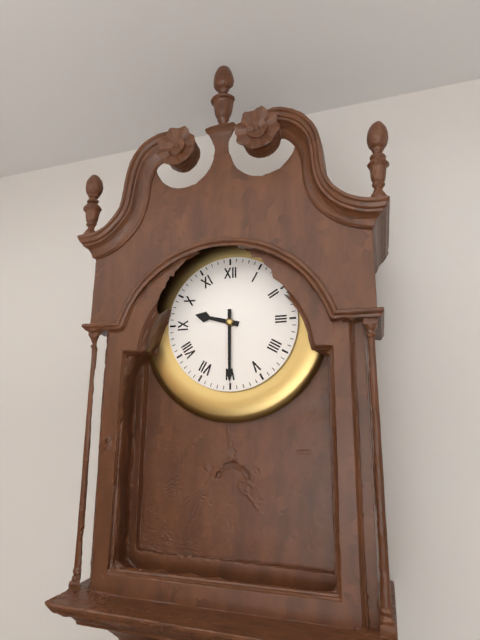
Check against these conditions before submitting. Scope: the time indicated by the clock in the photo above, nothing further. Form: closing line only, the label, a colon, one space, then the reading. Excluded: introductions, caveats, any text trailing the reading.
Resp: 9:30
